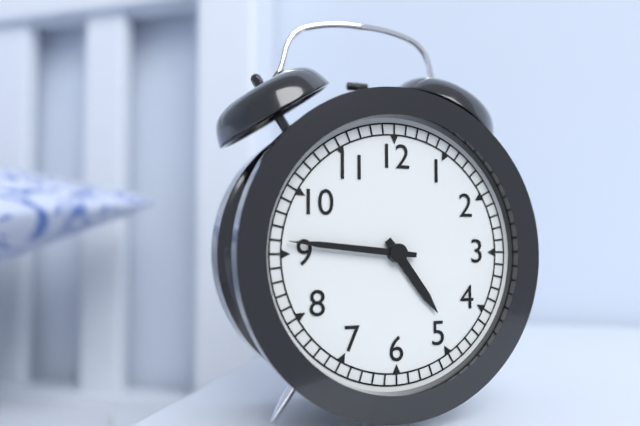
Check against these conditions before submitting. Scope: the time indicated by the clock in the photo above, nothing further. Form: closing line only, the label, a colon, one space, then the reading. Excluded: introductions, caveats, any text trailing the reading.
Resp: 4:46
